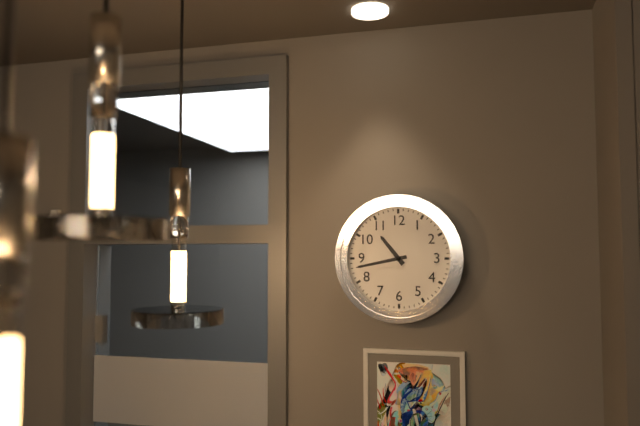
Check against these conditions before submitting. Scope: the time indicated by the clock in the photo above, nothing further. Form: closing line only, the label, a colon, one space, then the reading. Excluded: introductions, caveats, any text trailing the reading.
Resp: 10:43
